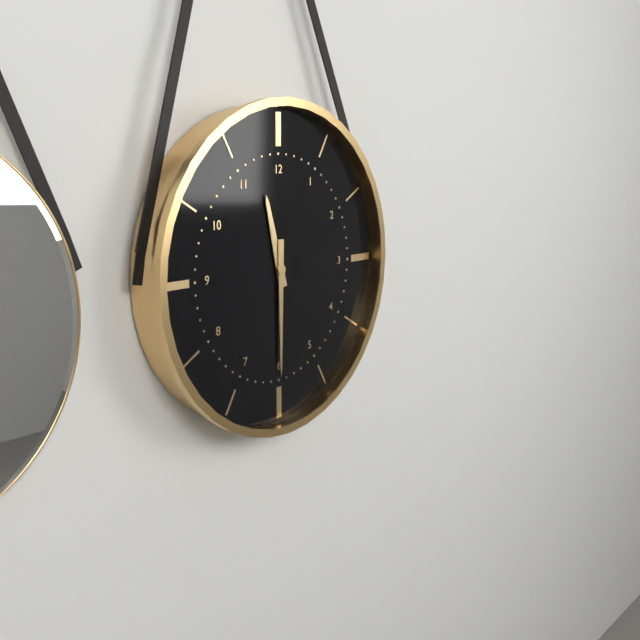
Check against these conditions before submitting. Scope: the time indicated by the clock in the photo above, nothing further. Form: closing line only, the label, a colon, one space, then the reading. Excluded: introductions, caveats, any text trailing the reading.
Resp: 11:30
